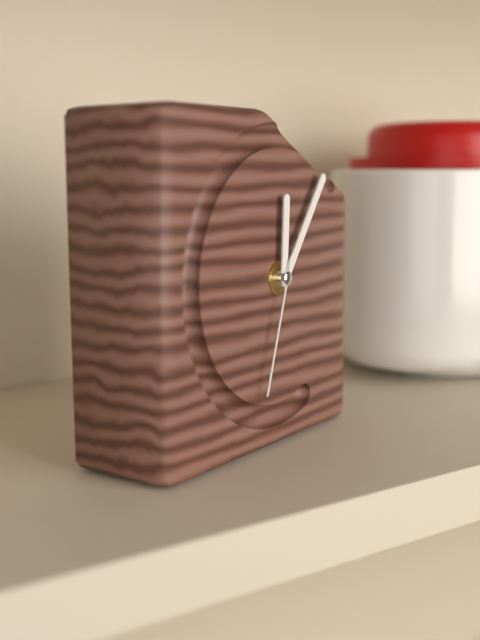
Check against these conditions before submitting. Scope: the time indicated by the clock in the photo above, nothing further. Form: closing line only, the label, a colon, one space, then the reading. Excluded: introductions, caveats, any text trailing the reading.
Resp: 12:06:33
